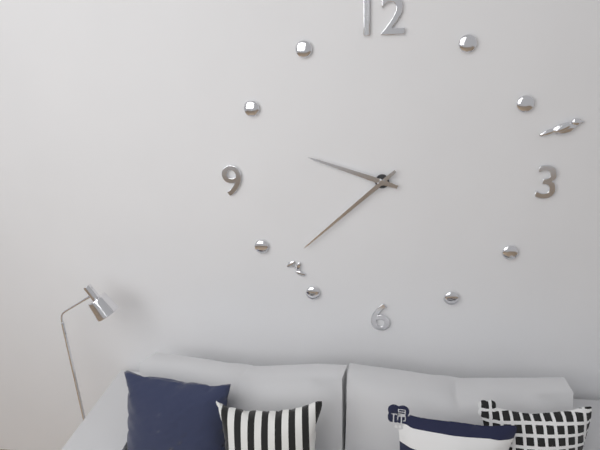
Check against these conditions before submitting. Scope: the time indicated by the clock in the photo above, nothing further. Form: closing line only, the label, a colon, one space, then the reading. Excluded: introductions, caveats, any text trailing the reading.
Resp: 9:38
